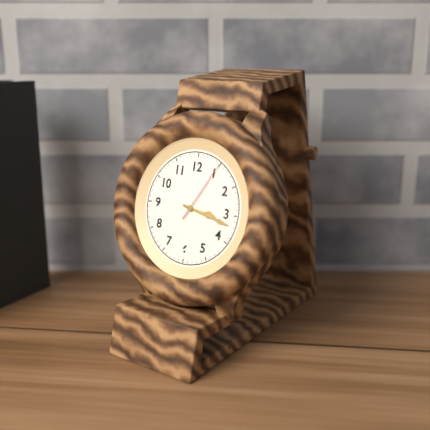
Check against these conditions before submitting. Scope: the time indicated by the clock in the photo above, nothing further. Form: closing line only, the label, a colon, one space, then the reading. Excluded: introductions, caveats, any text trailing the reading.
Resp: 3:17:05
